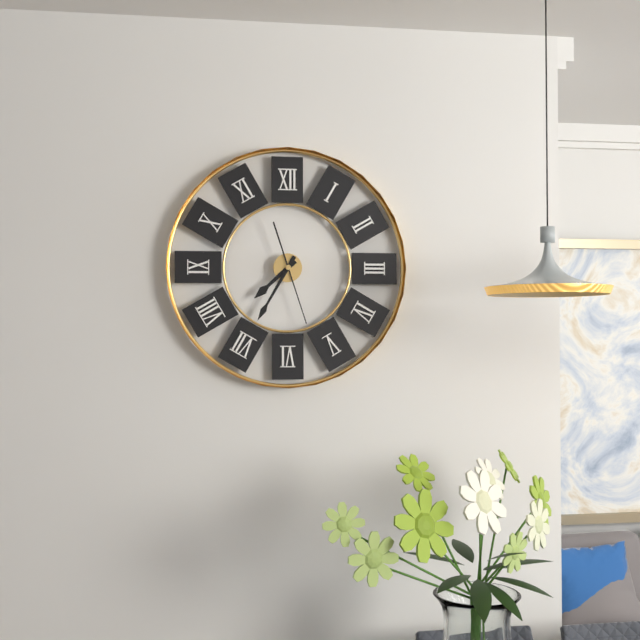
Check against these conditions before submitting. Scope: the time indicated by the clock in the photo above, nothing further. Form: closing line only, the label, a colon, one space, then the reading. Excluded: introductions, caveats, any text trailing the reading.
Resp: 7:35:27
